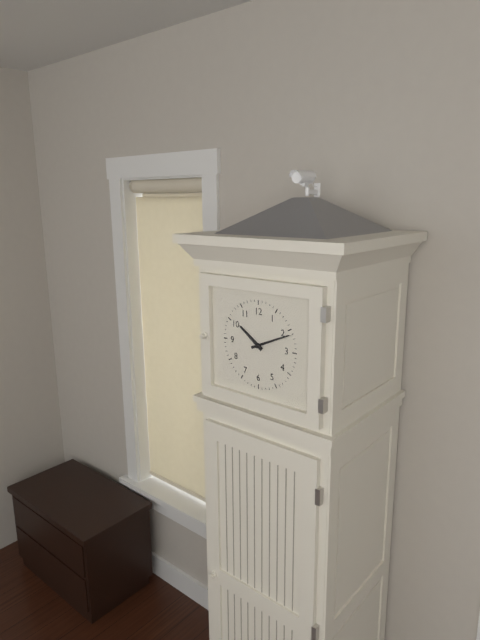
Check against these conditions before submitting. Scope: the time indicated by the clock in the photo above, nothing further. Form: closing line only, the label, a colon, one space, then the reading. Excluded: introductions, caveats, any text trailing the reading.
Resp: 10:11
